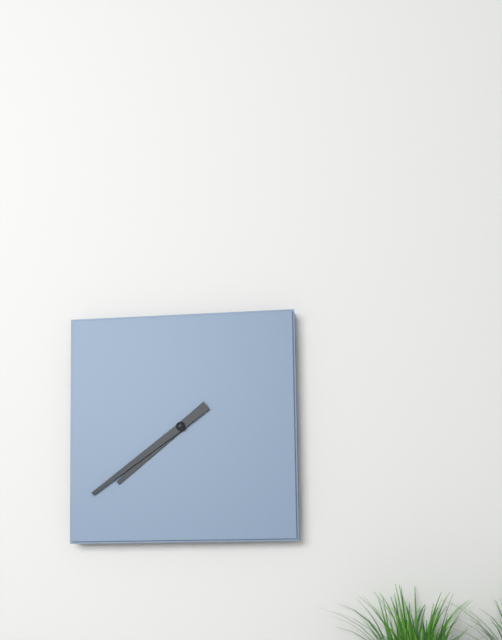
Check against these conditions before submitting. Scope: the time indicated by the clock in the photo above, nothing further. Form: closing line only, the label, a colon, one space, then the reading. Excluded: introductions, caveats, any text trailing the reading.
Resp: 7:39
